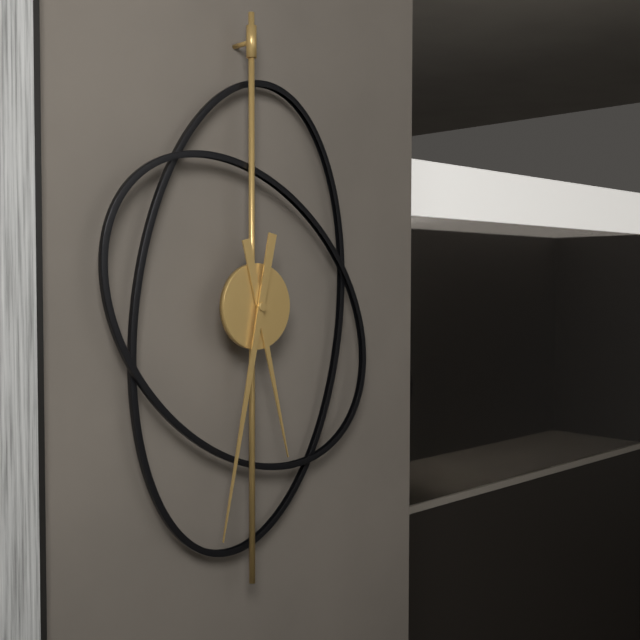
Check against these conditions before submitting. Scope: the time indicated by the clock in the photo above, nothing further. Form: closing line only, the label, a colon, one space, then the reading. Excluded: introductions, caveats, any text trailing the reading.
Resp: 5:32
